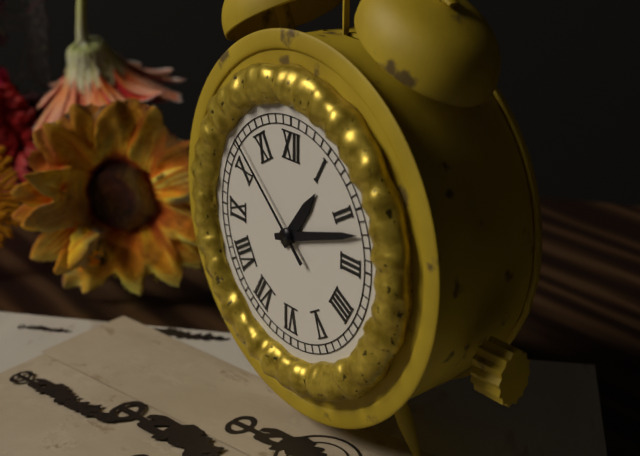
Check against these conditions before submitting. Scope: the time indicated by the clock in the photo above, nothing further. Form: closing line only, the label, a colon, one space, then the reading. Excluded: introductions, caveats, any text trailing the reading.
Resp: 1:12:52
